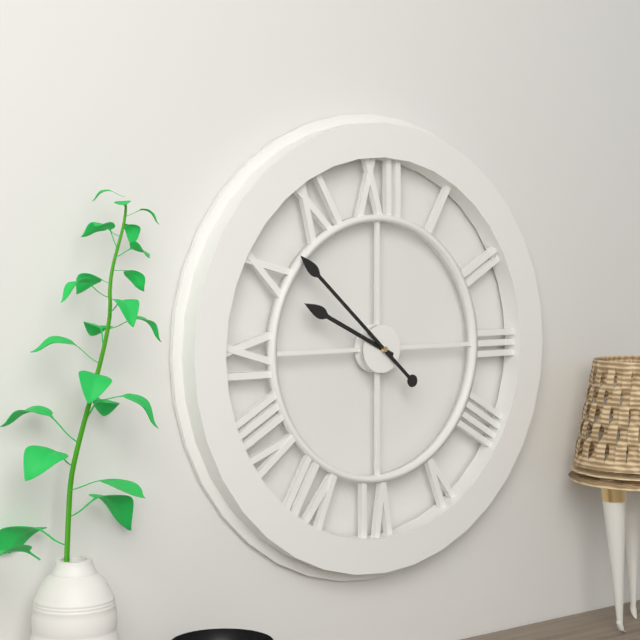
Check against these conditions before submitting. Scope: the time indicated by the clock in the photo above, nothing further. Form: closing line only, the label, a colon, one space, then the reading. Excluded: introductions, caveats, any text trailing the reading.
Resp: 9:52
